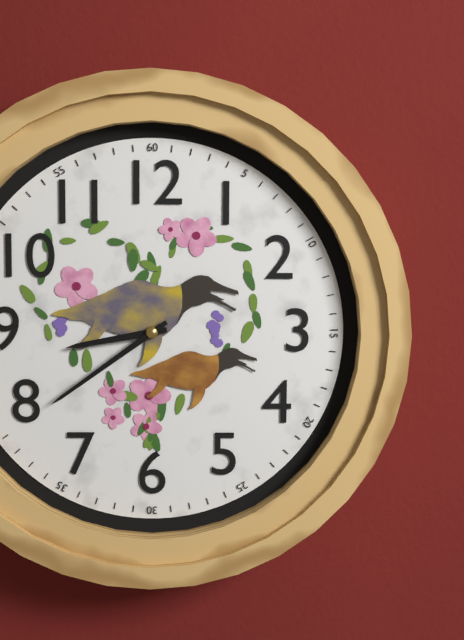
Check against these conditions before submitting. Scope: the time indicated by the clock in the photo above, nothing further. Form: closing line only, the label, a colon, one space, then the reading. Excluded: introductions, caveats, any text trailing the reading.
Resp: 8:39
